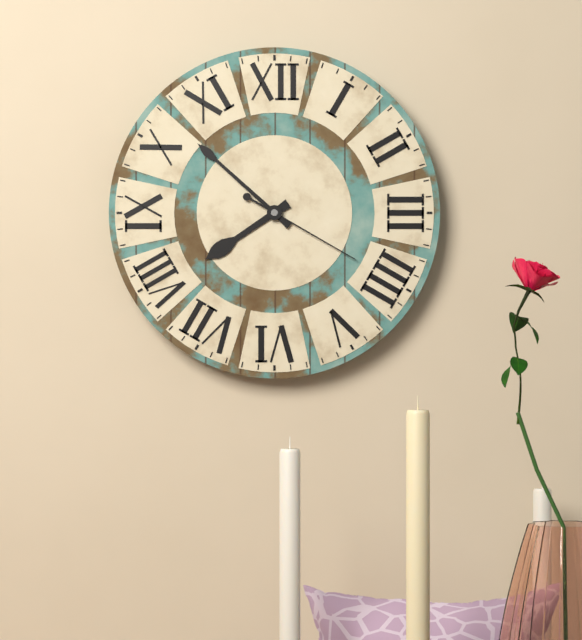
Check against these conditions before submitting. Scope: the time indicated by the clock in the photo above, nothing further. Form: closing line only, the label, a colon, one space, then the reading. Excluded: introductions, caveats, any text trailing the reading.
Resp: 7:52:20
